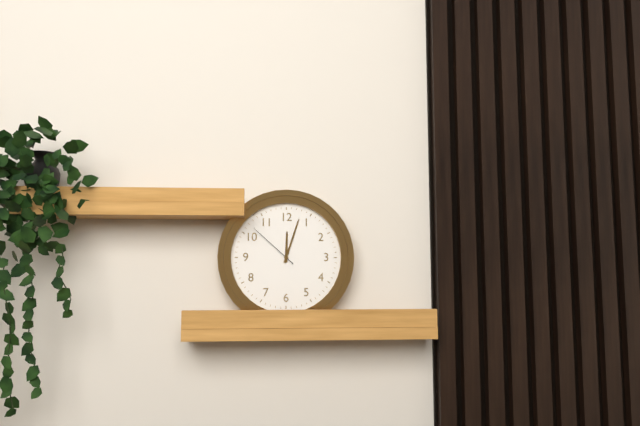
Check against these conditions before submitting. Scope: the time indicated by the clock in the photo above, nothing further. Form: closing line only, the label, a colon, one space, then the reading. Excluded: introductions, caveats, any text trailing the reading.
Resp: 12:03:52
